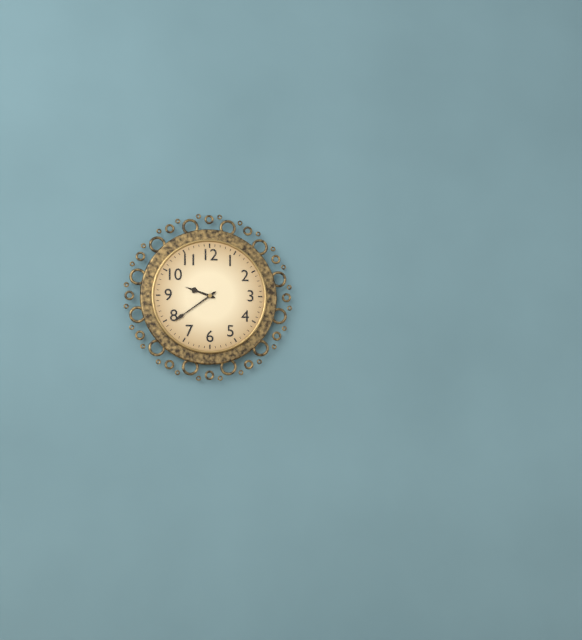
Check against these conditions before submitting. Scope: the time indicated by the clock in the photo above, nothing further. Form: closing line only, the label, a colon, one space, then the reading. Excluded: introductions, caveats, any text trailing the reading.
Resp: 9:39
